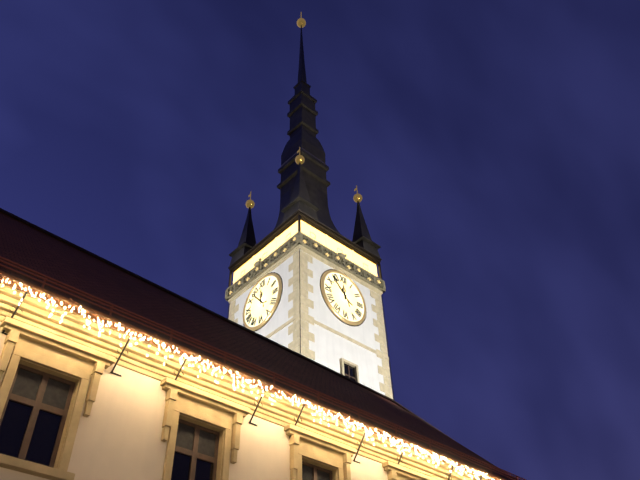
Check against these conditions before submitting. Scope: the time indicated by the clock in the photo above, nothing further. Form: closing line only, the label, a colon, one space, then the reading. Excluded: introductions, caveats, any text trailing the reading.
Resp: 11:53
